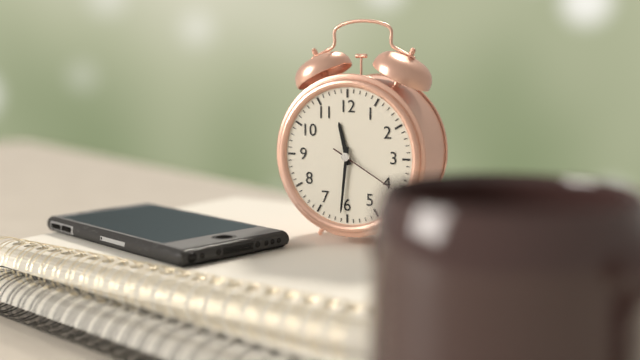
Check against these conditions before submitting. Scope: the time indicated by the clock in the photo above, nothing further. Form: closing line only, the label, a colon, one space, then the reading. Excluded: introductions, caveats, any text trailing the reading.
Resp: 11:31:20
